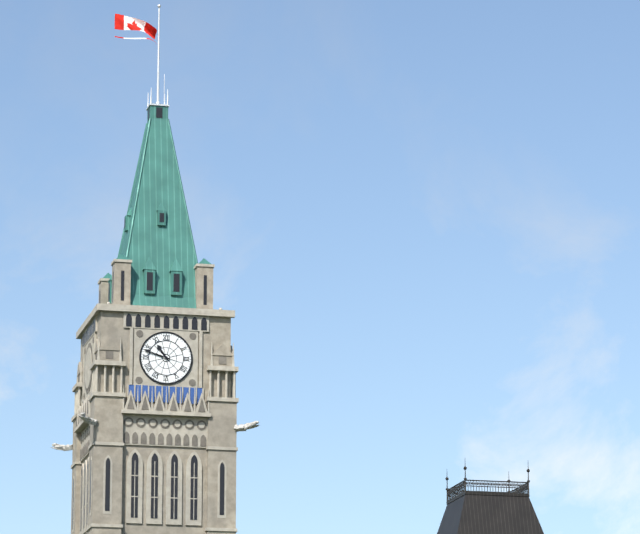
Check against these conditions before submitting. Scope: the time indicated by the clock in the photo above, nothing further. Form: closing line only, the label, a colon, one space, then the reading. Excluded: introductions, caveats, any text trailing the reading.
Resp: 10:48
